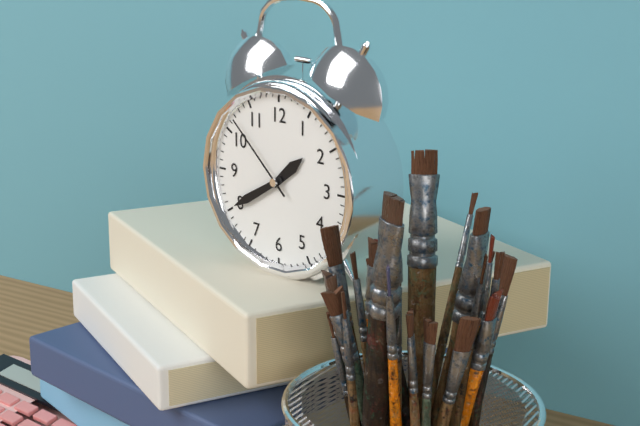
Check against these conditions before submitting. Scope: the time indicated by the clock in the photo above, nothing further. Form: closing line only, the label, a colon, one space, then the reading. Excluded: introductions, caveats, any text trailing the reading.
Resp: 1:40:52
